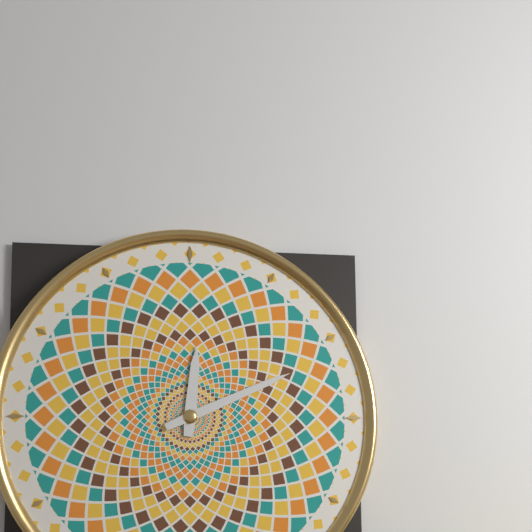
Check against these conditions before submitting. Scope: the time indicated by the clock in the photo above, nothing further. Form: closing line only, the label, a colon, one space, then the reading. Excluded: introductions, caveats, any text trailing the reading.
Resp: 12:11
